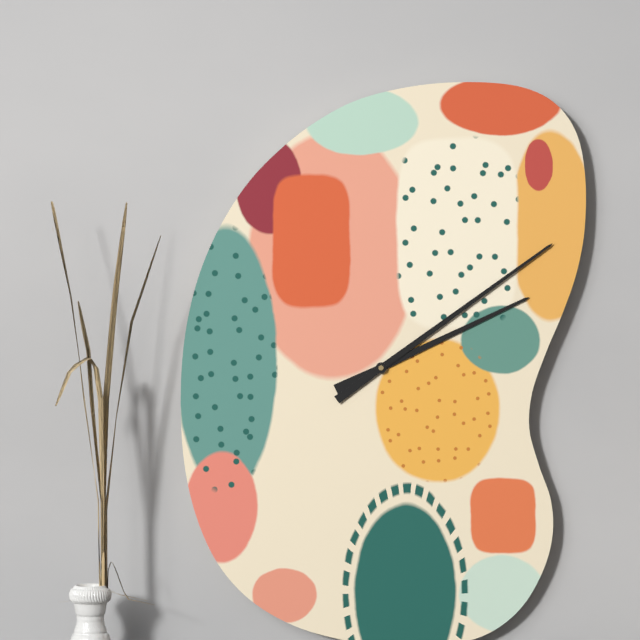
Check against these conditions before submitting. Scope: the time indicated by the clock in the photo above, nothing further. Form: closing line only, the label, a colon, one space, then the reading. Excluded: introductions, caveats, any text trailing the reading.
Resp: 2:09
